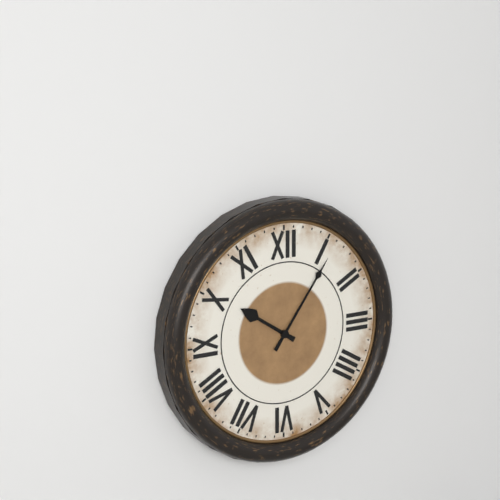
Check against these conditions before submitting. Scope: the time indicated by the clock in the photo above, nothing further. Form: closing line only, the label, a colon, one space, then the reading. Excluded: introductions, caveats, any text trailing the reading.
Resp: 10:06
